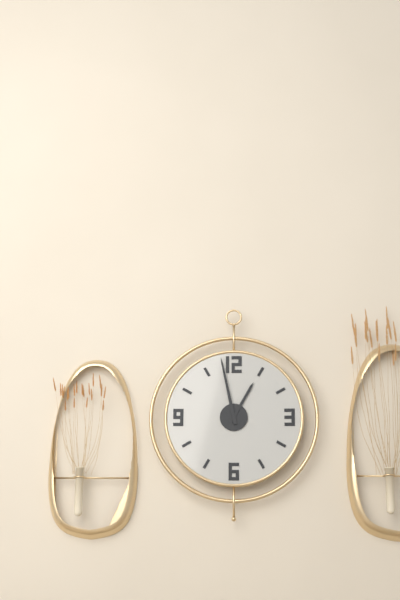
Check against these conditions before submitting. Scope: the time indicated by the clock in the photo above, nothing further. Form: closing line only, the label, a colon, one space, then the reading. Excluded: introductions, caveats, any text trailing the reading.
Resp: 12:58
